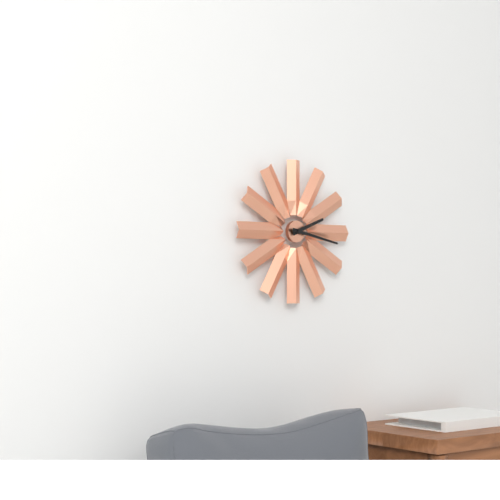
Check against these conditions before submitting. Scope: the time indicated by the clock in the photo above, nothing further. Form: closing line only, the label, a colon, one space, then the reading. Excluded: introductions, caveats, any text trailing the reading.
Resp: 2:17
